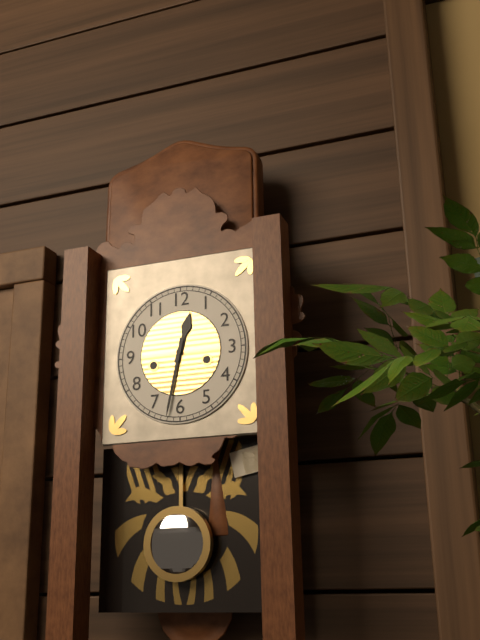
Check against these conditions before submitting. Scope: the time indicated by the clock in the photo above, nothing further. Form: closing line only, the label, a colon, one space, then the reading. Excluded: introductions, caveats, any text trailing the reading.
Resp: 12:32
